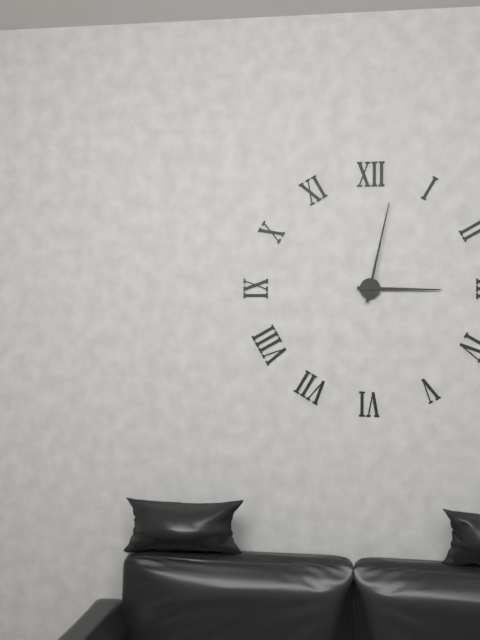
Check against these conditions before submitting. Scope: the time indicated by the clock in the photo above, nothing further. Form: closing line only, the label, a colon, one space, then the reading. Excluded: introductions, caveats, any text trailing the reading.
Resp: 3:02
